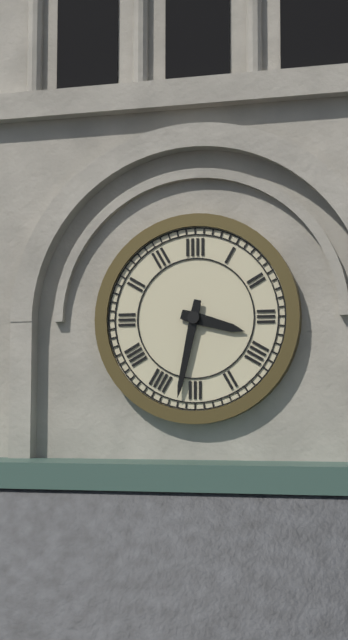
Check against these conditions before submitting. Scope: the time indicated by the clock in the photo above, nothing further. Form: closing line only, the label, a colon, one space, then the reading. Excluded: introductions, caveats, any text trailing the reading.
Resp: 3:32
